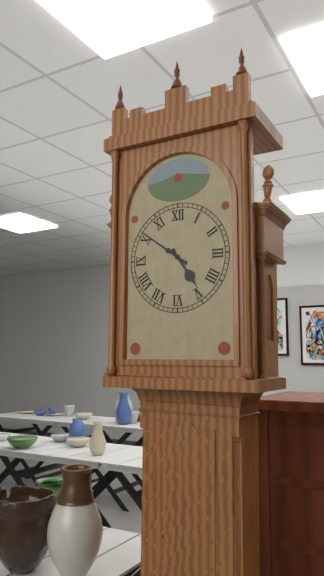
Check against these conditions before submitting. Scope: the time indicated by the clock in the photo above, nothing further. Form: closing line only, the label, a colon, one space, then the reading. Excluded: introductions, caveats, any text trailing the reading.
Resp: 4:51
